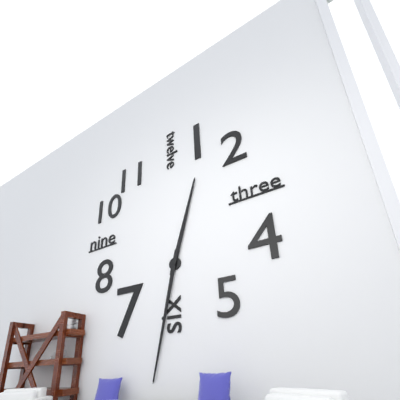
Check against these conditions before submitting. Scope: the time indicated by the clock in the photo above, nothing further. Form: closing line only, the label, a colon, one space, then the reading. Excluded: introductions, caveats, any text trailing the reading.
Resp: 12:32
